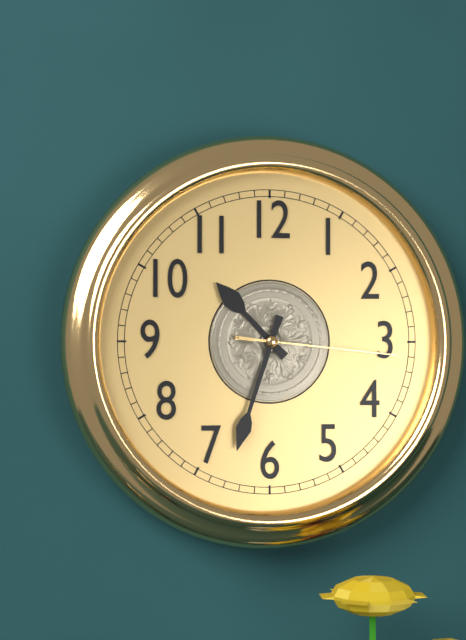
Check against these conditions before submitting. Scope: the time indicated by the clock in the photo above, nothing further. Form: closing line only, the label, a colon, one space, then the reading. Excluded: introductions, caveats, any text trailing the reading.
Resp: 10:33:16
